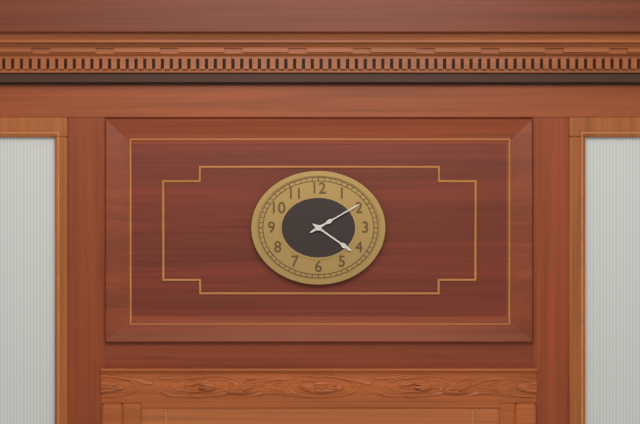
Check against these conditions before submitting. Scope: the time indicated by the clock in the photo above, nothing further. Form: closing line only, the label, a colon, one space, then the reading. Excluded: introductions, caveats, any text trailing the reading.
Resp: 4:10
